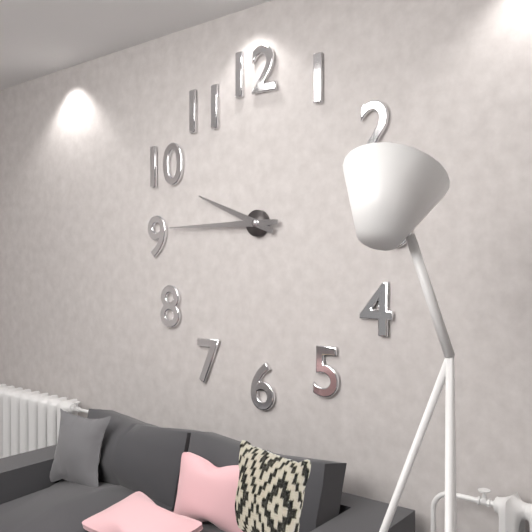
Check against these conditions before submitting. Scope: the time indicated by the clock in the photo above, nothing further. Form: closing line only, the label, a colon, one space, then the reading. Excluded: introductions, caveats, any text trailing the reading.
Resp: 9:45
